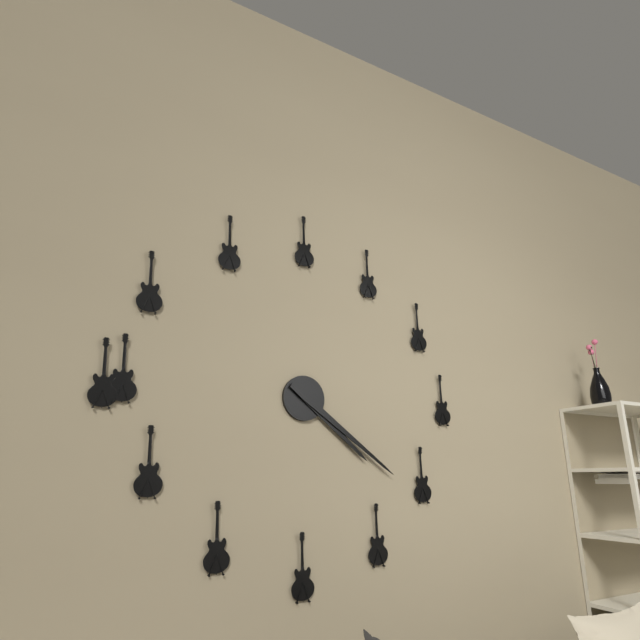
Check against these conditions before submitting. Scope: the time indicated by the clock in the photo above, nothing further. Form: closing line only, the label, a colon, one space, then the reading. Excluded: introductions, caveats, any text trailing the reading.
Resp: 4:21
